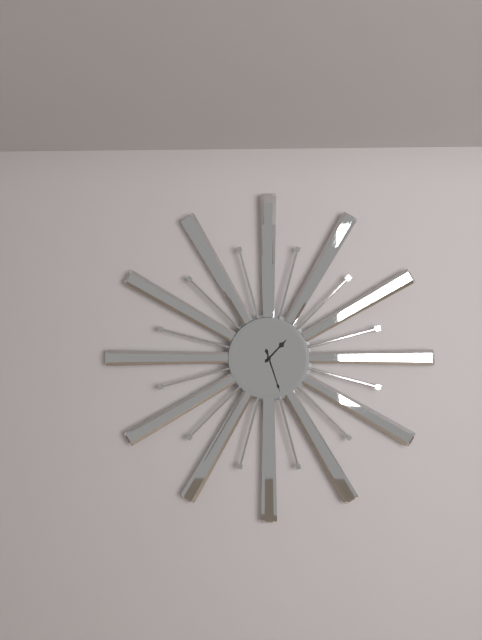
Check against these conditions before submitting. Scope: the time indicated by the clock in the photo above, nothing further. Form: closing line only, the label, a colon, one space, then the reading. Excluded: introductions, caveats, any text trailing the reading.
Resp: 1:27
